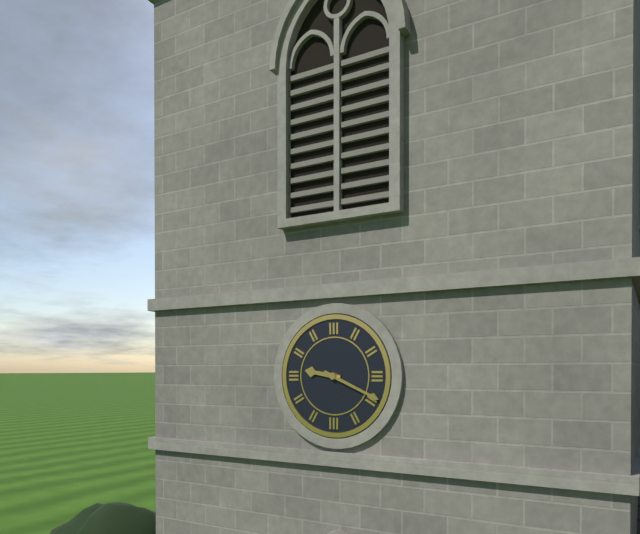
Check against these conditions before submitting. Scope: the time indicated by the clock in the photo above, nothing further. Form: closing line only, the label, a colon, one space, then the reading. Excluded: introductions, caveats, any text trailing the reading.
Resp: 9:19
